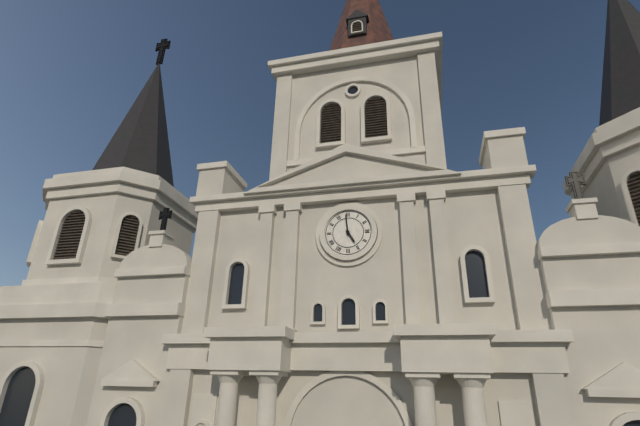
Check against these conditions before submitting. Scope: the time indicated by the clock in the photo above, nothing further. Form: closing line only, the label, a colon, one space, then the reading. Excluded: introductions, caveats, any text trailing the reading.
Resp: 4:59
